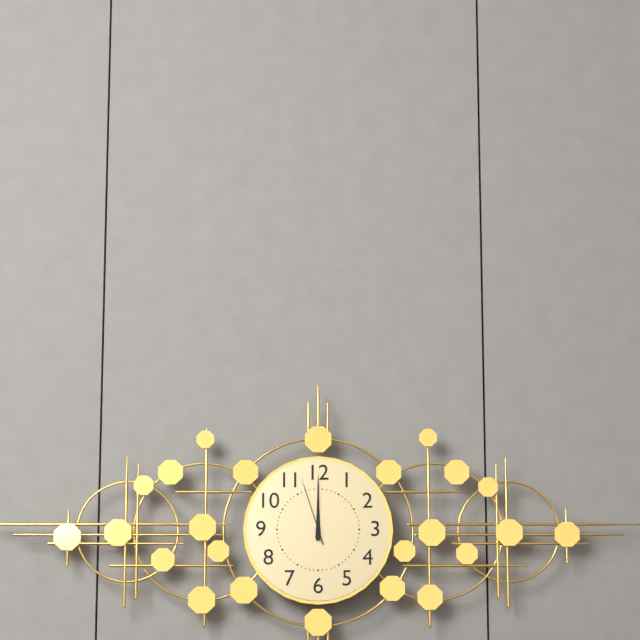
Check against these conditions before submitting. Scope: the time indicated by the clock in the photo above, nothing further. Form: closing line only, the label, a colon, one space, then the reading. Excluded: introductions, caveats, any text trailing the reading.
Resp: 12:00:57
